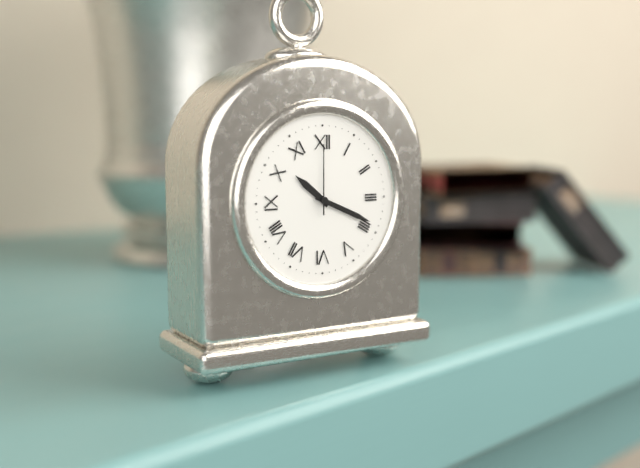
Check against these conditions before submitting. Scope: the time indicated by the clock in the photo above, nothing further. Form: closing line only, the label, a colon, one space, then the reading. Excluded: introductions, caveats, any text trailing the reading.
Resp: 10:19:00
